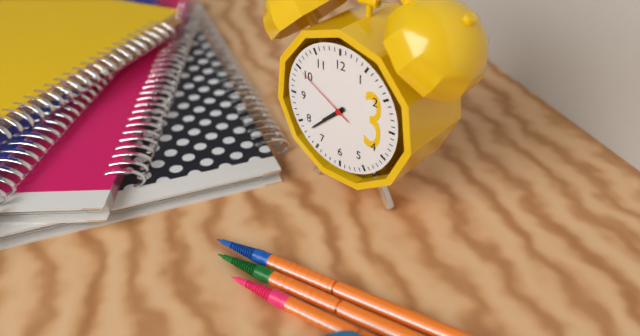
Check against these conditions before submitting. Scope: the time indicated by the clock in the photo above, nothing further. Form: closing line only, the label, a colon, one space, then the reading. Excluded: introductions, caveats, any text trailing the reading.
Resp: 7:38:50
